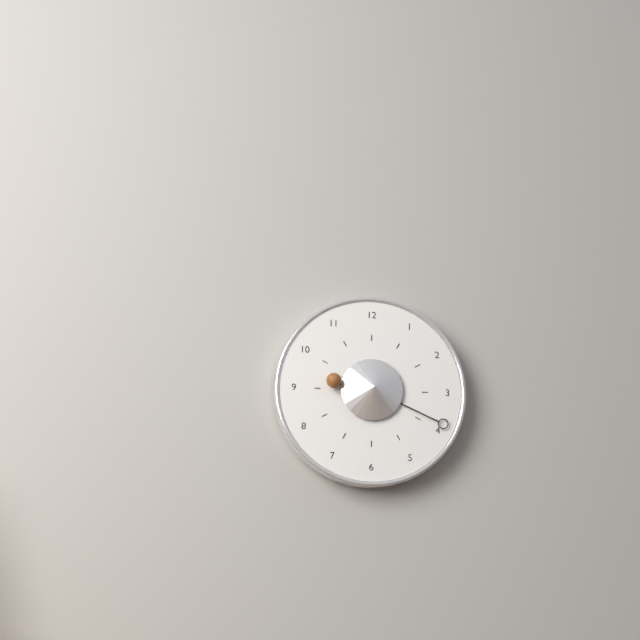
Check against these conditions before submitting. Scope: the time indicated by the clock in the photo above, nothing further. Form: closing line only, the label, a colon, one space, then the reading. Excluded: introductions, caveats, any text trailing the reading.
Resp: 9:19
